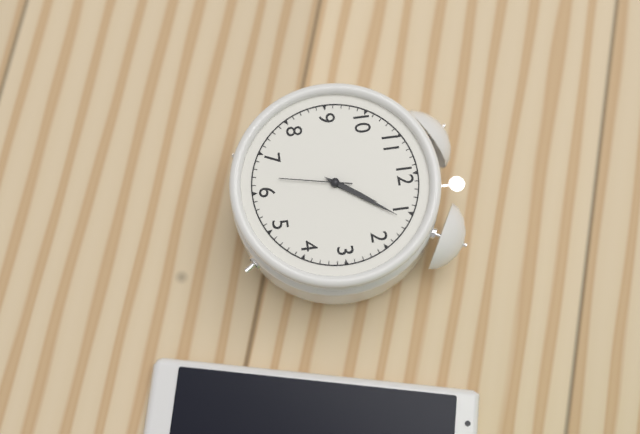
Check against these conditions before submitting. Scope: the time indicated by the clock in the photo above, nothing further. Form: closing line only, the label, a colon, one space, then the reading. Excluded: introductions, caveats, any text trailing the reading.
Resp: 1:06:32
